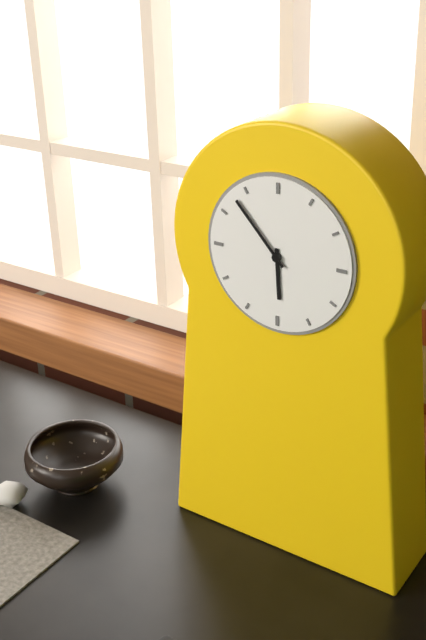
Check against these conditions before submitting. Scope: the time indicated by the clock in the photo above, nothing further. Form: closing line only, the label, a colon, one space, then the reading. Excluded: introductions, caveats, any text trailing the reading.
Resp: 5:53
